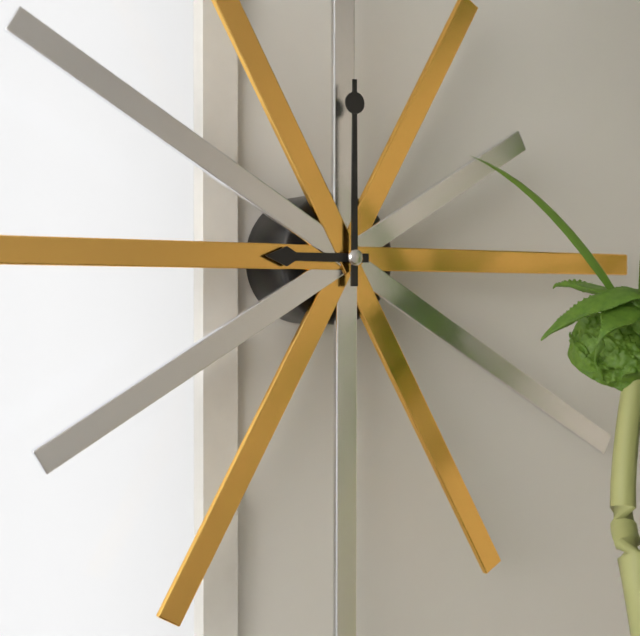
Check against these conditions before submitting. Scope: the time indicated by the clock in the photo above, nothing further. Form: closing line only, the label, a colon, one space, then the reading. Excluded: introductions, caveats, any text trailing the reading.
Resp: 9:00
